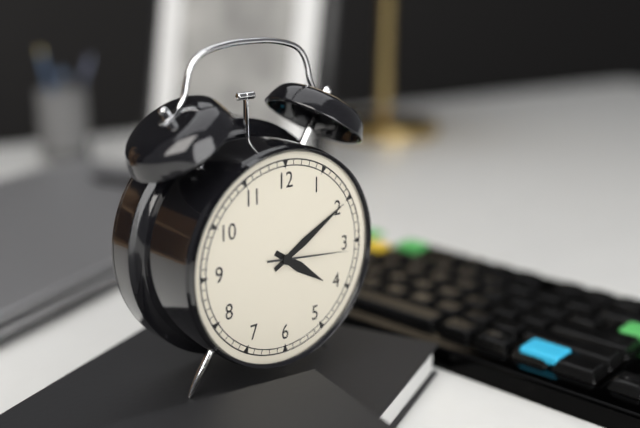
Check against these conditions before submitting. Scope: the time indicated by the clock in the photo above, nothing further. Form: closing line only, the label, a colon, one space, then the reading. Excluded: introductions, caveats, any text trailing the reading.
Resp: 4:10:16
